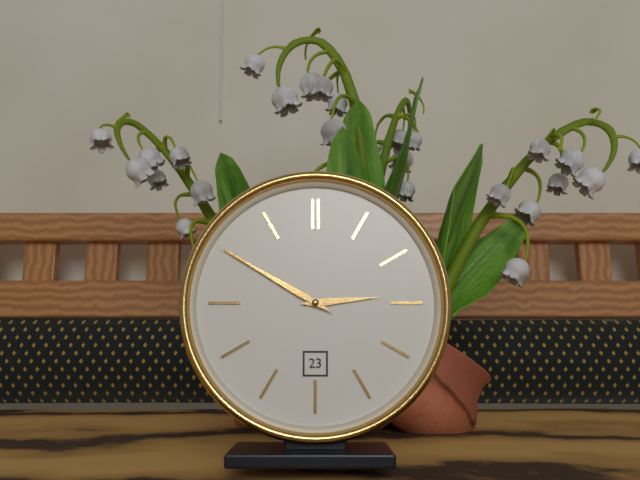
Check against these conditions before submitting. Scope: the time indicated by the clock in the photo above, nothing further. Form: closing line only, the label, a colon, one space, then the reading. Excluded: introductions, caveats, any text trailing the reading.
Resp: 2:50
